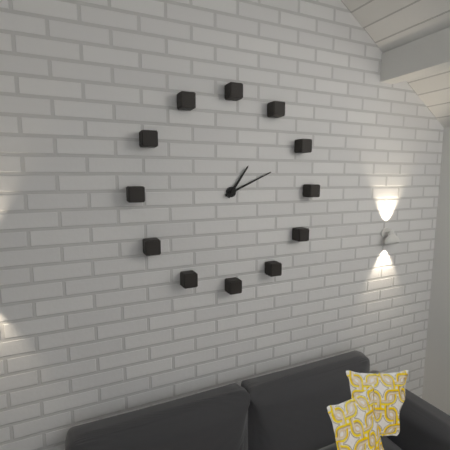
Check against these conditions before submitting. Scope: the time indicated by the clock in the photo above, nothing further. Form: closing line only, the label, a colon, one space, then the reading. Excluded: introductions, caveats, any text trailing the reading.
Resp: 1:11
